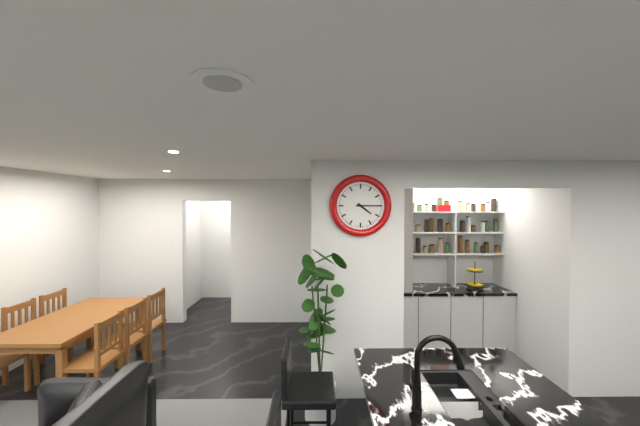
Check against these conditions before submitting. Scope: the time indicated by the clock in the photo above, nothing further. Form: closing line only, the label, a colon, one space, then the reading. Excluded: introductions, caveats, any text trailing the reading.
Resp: 4:15
